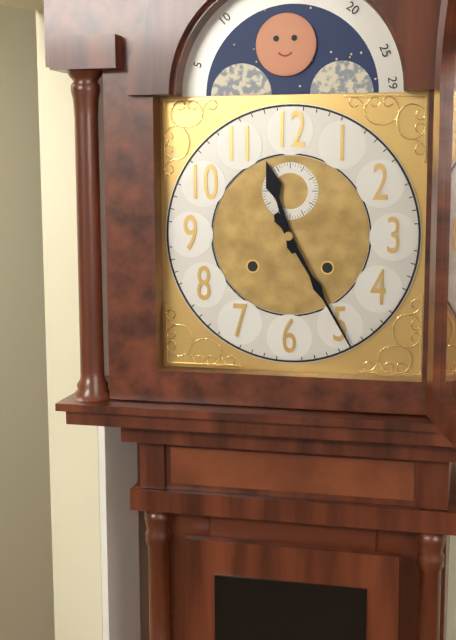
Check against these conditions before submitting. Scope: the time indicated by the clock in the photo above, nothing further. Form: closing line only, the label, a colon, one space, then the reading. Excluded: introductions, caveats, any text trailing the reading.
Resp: 11:25
